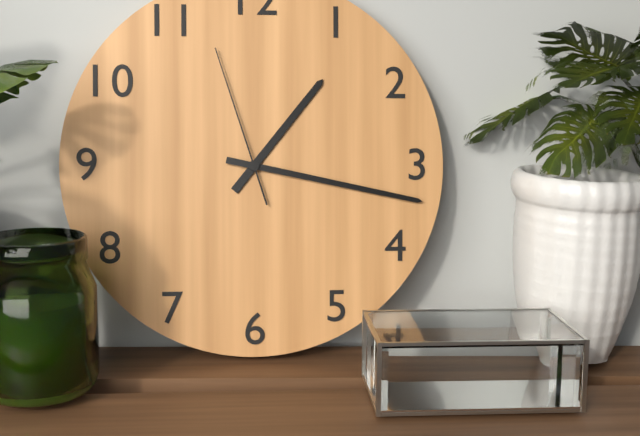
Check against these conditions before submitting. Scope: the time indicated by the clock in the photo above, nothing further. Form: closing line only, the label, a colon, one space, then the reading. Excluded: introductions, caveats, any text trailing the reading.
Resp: 1:17:57
